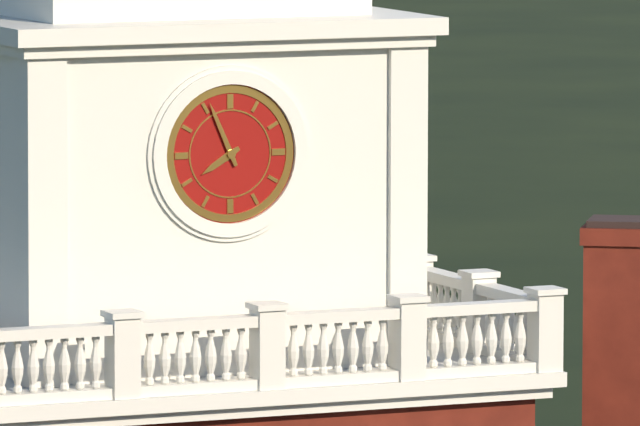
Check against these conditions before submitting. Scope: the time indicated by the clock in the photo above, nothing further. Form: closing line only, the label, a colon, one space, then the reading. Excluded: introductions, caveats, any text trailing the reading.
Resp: 7:56
